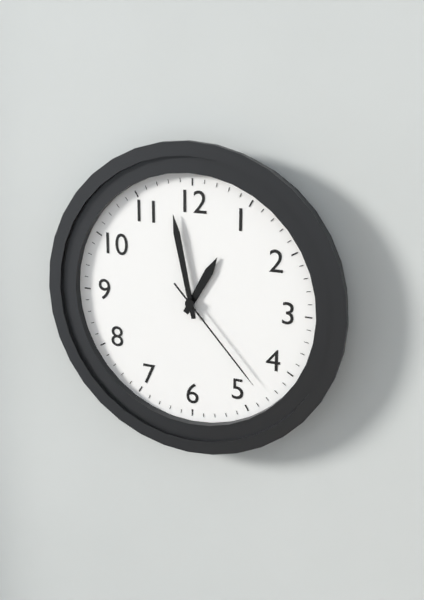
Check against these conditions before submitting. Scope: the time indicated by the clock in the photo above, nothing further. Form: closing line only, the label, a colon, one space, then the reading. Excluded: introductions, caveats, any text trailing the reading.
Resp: 12:58:23
